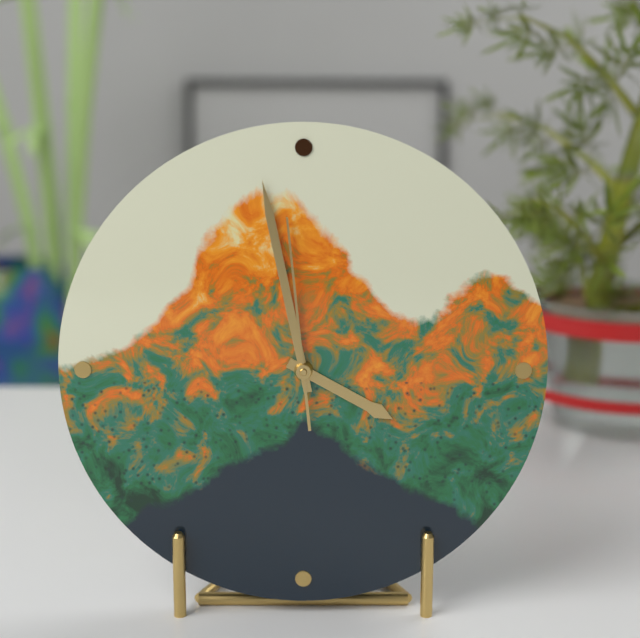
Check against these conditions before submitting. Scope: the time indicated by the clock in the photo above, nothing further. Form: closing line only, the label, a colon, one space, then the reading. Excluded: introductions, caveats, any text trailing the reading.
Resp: 3:58:59
